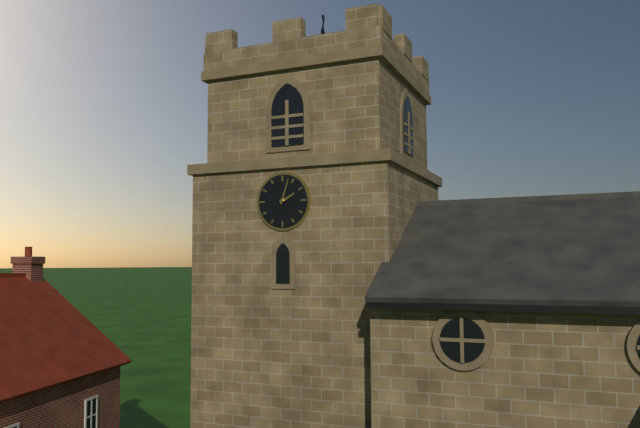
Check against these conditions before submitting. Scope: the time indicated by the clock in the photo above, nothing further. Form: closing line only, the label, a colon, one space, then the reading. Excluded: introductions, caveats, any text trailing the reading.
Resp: 2:03
